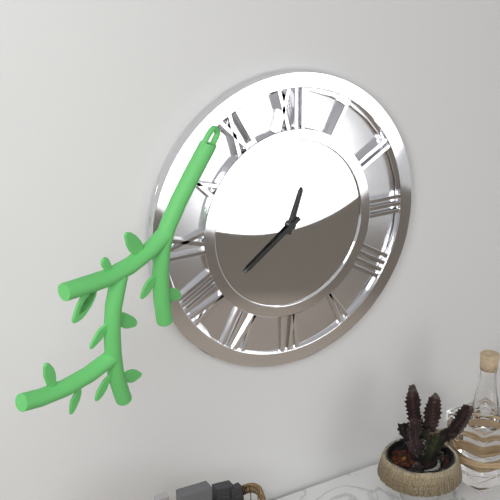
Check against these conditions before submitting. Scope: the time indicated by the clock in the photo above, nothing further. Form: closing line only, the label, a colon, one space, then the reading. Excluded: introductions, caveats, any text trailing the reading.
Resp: 12:39
